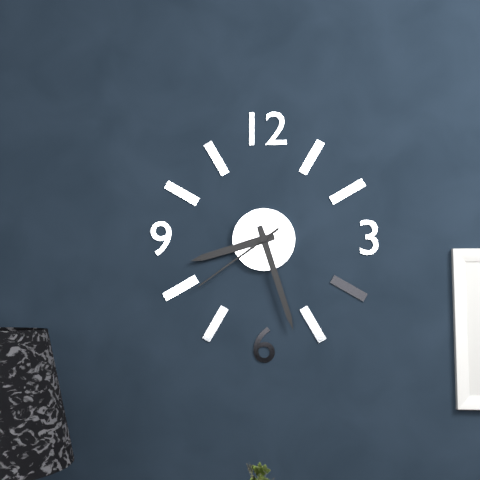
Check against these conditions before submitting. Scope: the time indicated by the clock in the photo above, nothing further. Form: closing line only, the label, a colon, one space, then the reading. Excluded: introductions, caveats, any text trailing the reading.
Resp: 8:27:39
